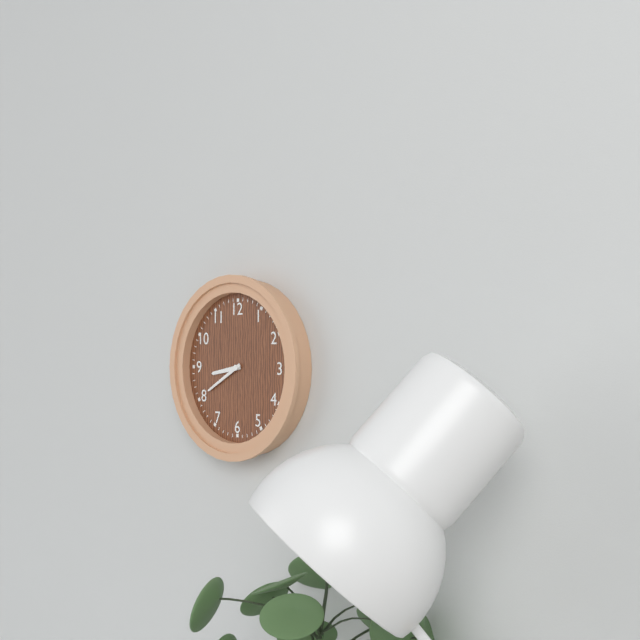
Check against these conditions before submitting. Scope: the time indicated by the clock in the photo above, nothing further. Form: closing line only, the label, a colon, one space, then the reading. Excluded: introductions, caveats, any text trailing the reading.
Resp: 8:40
